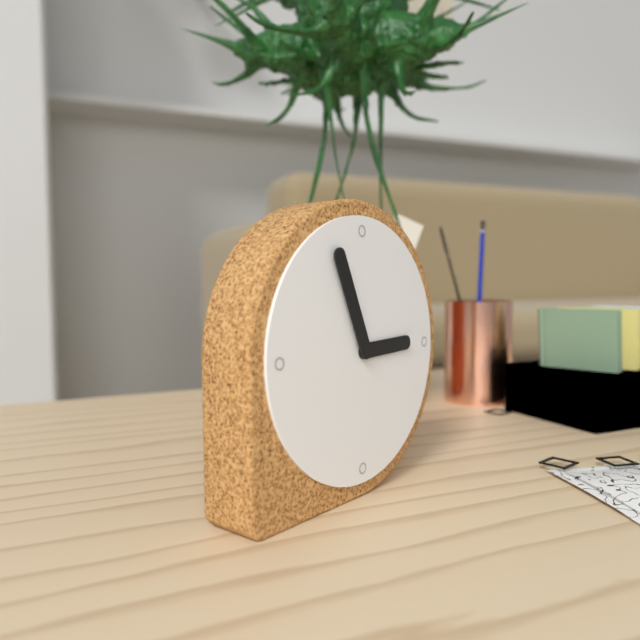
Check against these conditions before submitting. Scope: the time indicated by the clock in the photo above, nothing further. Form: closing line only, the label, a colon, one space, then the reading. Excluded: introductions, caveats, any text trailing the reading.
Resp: 2:56
